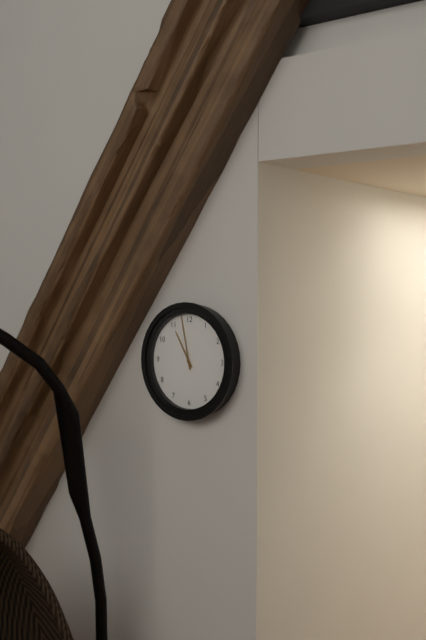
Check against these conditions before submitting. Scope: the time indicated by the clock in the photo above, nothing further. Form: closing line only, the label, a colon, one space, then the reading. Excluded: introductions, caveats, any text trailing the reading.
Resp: 10:58
